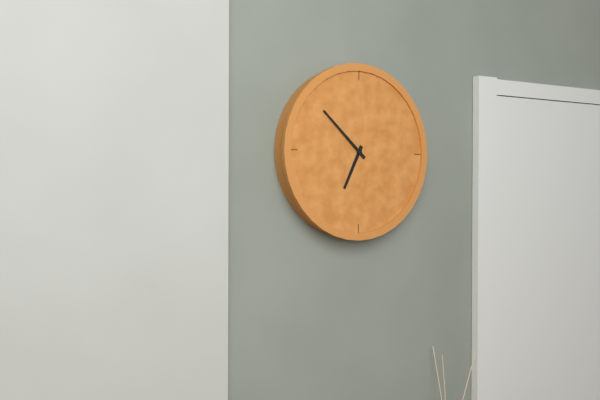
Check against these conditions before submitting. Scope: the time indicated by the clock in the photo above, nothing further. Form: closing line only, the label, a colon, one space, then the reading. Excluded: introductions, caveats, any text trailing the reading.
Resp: 6:52
